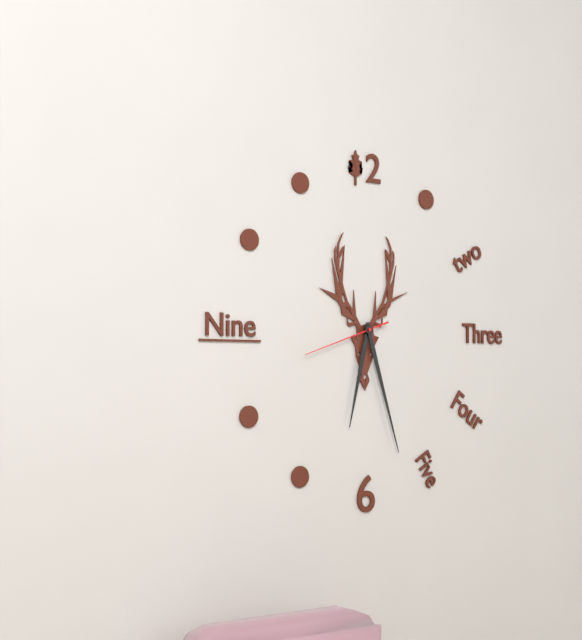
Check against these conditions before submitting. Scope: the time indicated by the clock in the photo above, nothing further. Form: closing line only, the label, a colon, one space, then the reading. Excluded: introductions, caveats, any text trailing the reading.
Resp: 6:27:42
